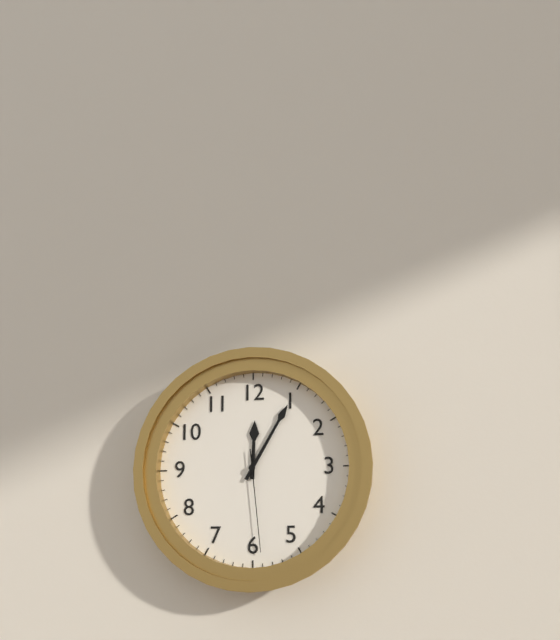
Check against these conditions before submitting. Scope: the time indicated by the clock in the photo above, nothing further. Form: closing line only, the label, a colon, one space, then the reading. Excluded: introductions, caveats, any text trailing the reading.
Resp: 12:05:29
